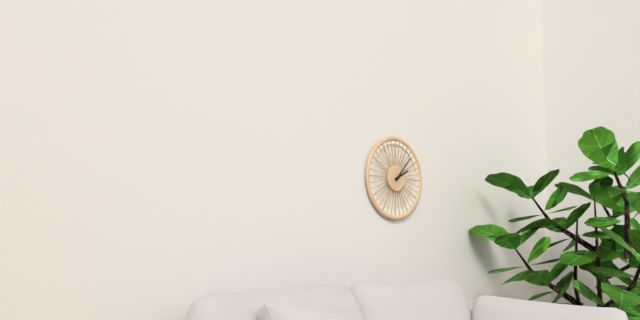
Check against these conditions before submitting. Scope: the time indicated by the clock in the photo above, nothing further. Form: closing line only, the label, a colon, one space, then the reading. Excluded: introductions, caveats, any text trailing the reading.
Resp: 2:07
